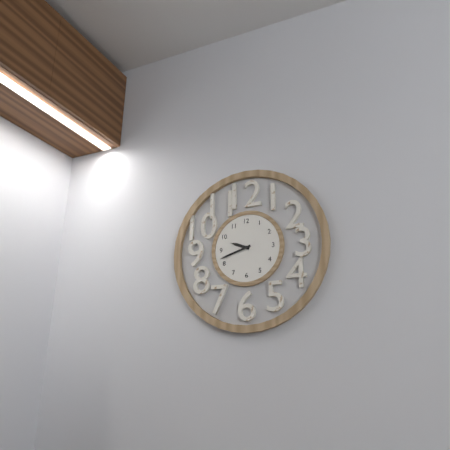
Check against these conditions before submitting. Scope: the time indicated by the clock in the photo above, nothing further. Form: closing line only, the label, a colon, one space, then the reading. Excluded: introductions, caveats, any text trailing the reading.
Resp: 9:42
